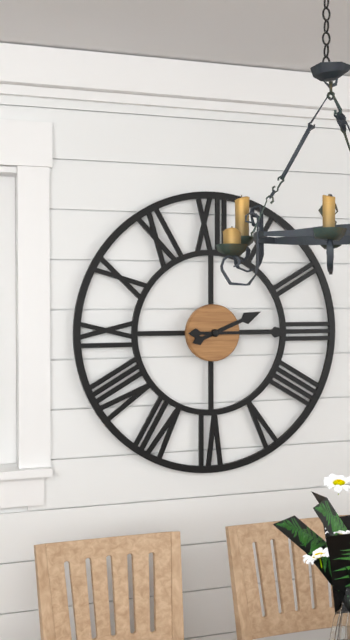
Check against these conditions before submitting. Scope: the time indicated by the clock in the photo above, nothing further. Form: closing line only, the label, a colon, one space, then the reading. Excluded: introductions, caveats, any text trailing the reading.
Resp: 2:15
